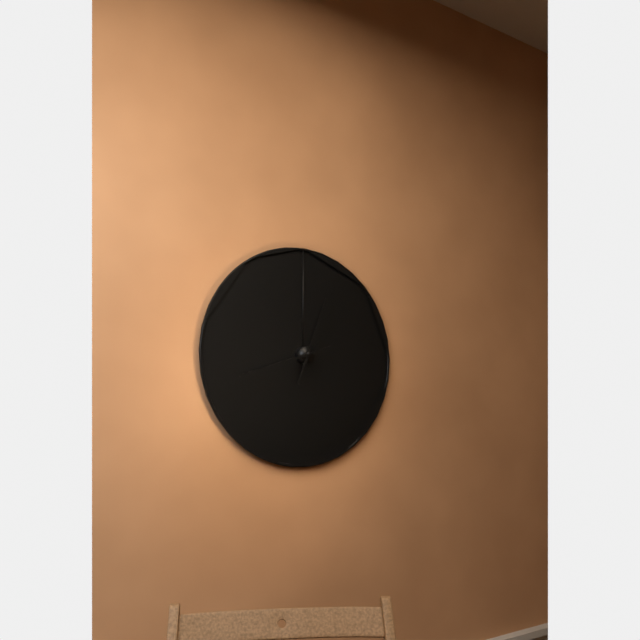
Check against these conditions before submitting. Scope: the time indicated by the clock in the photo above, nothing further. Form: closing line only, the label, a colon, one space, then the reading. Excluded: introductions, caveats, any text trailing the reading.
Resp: 12:42
